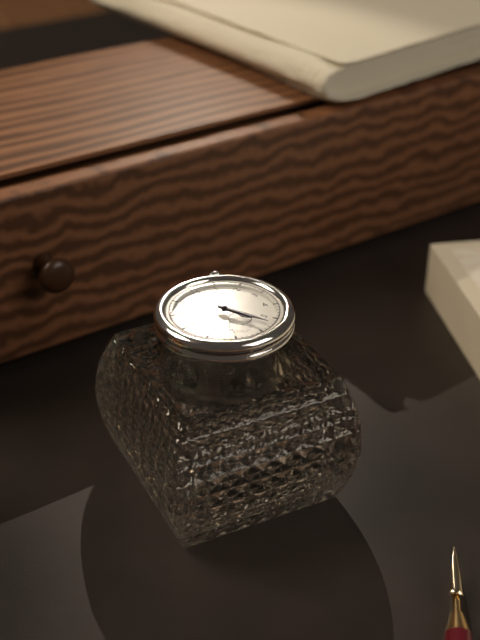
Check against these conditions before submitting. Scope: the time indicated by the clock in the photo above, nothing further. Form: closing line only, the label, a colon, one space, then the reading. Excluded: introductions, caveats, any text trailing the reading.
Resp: 5:27
